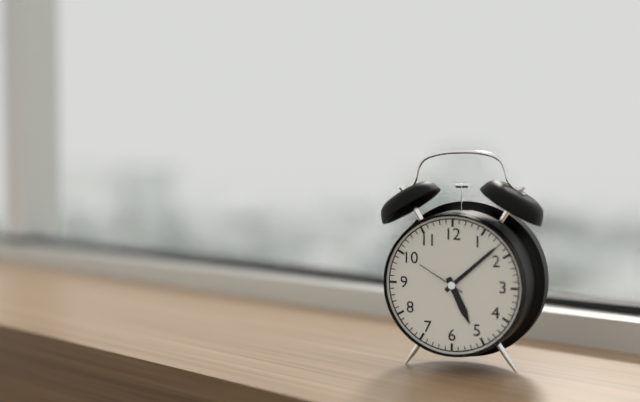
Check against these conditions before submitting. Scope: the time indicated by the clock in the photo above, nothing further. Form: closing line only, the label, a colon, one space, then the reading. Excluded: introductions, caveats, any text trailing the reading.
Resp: 5:08:50
